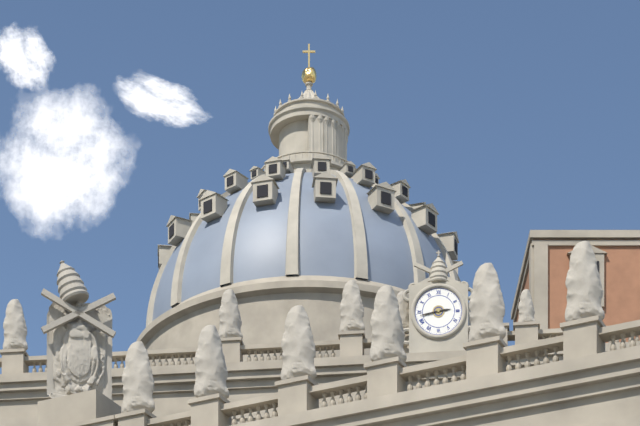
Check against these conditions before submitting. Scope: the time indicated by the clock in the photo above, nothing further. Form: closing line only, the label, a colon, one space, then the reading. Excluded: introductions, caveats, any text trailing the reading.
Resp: 2:43
